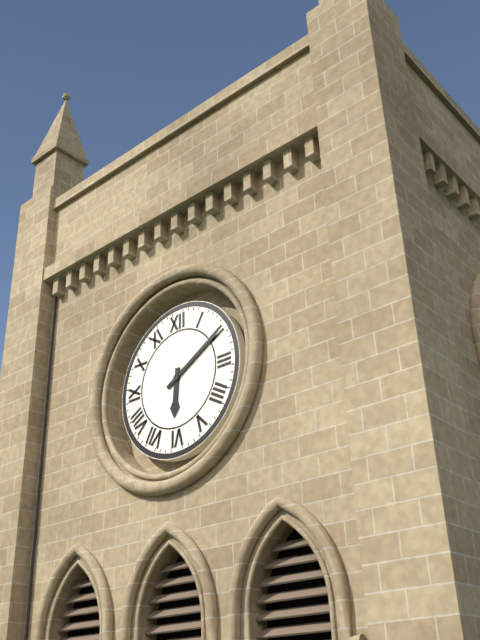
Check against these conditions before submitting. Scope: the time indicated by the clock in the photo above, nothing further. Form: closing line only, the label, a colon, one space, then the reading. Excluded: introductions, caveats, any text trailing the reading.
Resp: 6:10
